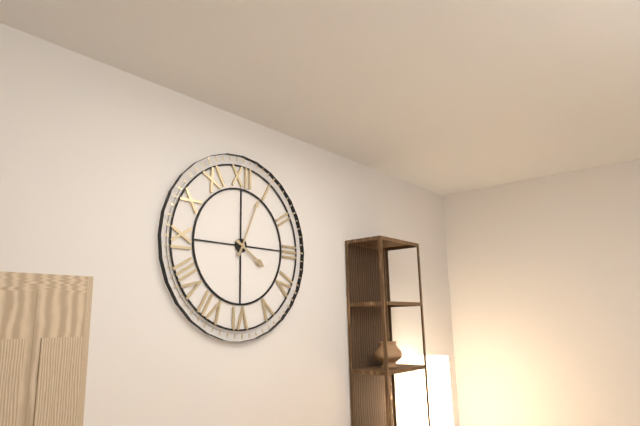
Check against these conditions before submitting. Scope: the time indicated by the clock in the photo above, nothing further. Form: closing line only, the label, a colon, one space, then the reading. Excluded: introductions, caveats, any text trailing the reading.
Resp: 4:04
